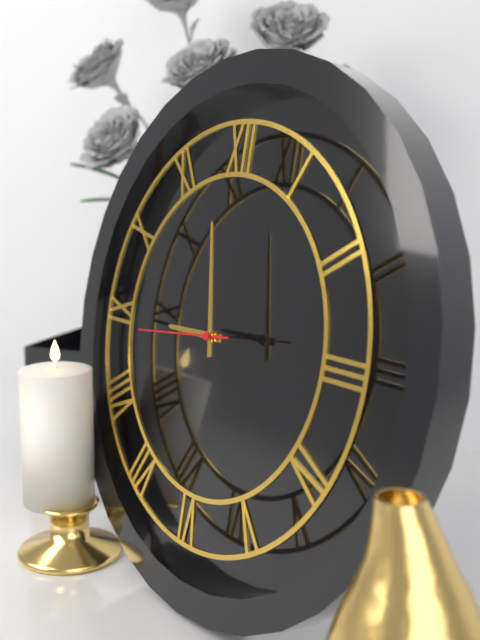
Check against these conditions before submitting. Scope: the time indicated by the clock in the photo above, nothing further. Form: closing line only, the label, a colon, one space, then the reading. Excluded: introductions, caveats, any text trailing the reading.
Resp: 8:58:44
